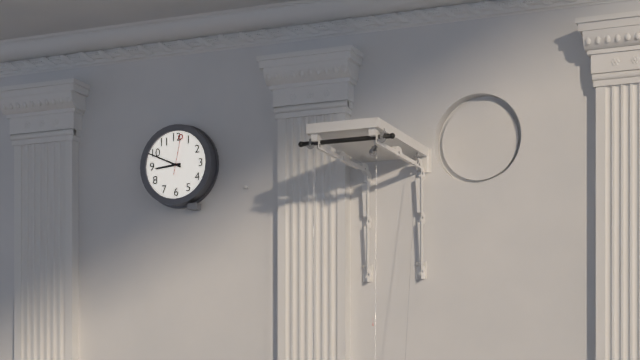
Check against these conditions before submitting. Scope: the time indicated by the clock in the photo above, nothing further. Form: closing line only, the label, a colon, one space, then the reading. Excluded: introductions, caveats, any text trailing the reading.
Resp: 8:49
